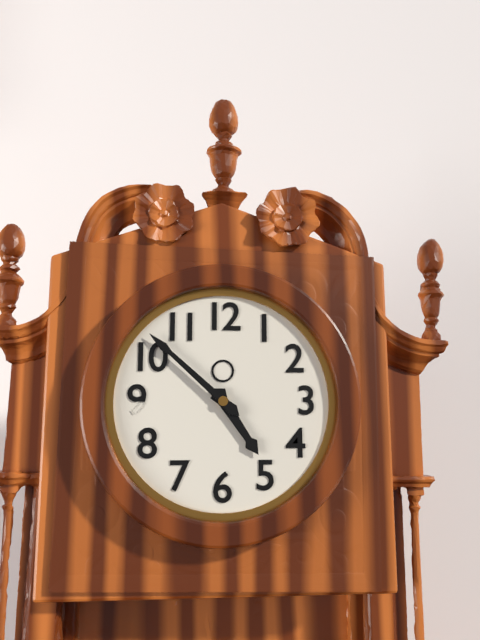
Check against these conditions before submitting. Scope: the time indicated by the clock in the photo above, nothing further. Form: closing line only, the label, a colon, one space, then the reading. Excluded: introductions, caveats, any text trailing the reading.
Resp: 4:52
